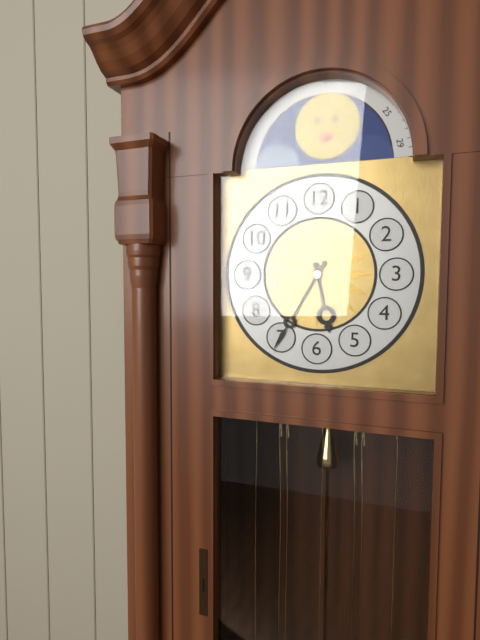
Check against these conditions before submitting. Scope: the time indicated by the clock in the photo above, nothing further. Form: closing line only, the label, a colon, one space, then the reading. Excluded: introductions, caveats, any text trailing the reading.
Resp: 5:35
